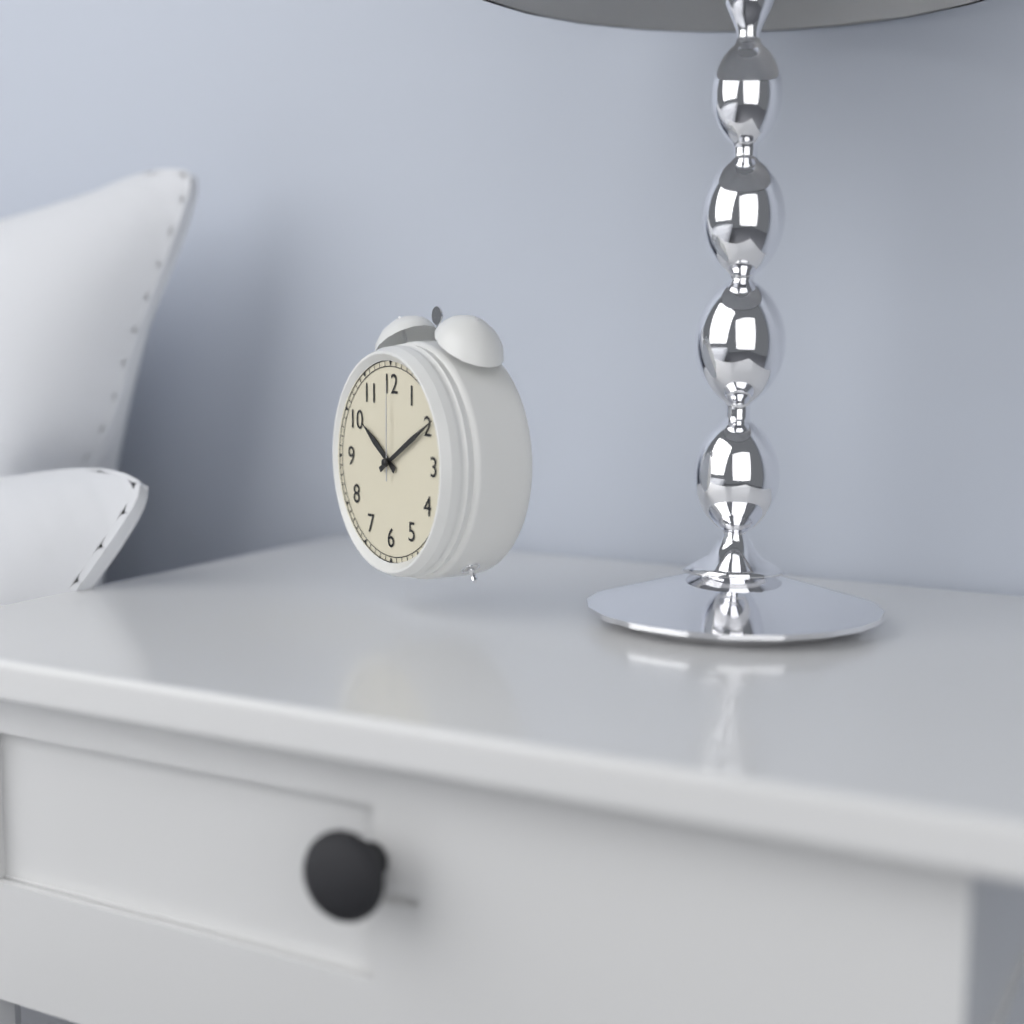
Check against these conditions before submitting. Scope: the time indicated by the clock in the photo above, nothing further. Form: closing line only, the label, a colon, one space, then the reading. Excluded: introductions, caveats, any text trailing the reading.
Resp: 10:10:00
